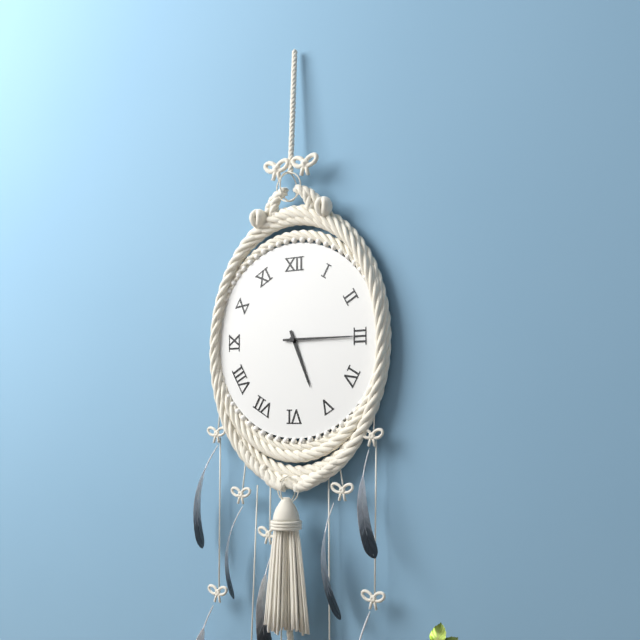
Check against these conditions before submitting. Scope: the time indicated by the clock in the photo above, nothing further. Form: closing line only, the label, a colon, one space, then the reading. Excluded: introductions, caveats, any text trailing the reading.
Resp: 5:15
